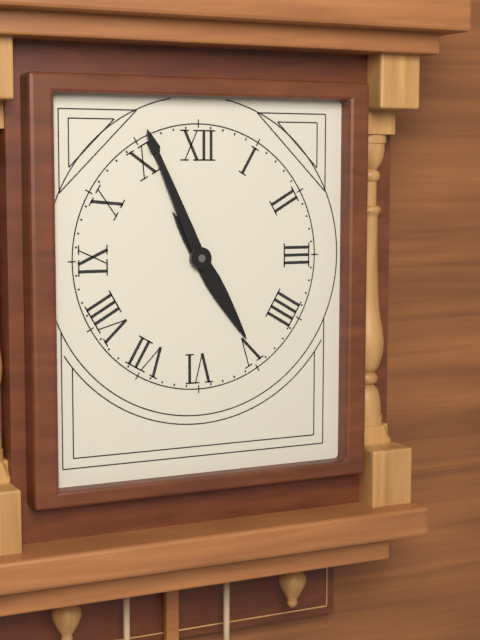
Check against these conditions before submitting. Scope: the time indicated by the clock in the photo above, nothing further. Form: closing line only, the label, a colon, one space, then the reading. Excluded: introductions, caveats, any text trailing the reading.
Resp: 4:56
